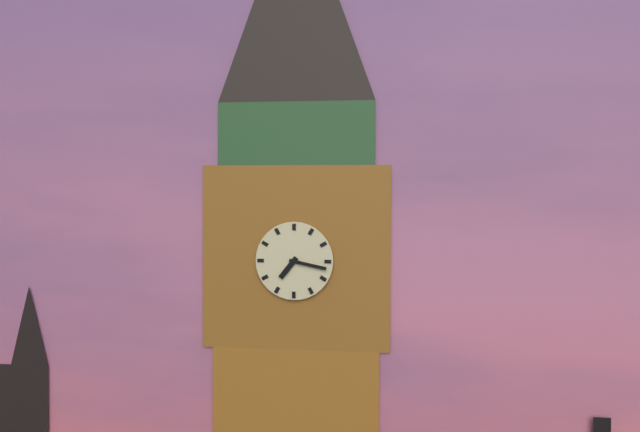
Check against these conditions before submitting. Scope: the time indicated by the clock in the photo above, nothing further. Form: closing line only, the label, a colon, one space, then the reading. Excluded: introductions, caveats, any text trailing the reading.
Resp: 7:17
